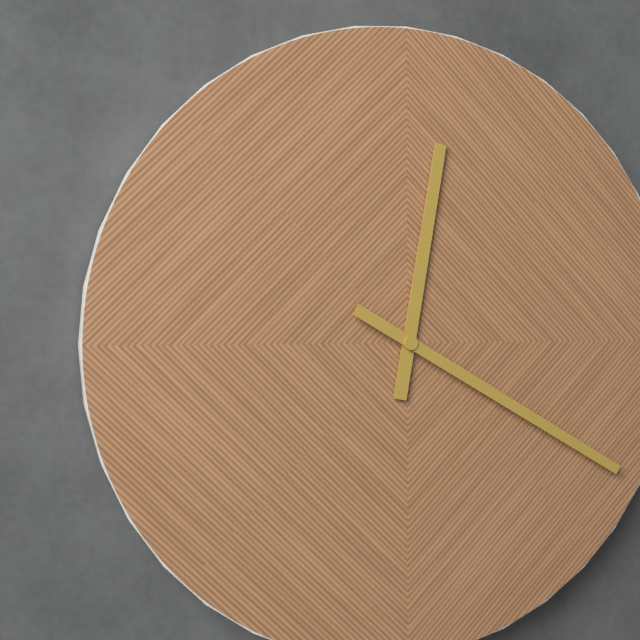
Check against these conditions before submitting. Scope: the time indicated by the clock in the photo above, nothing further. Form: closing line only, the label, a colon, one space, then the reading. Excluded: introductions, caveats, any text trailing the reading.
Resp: 12:20
